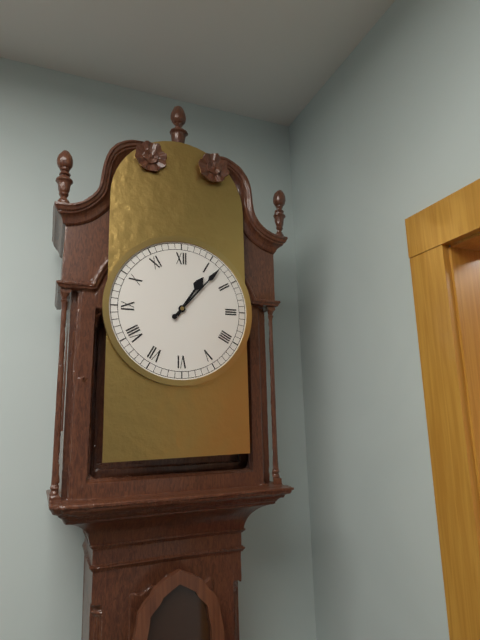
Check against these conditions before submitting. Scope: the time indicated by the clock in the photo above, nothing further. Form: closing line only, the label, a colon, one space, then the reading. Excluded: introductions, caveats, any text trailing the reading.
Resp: 1:07
